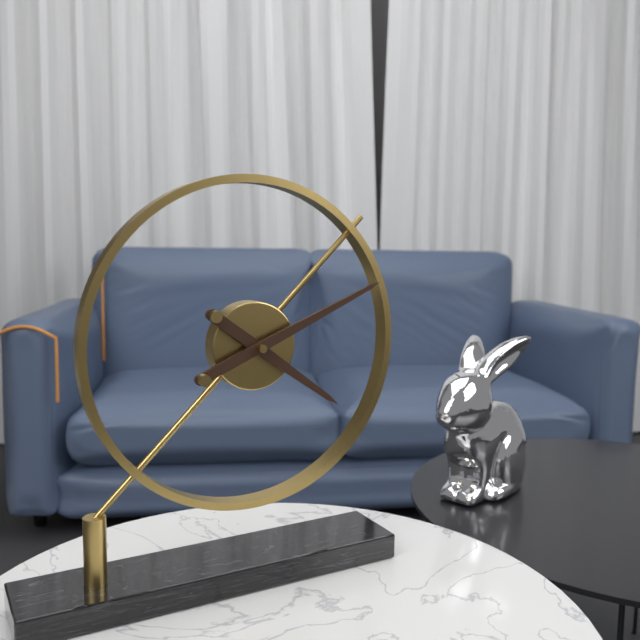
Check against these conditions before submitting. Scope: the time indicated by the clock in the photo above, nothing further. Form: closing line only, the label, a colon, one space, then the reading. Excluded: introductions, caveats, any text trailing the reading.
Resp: 4:11
